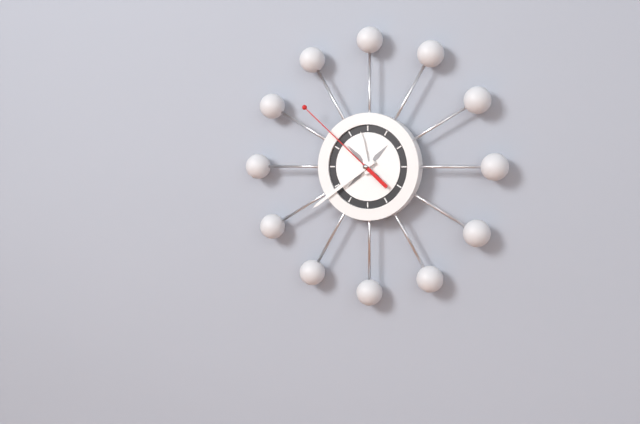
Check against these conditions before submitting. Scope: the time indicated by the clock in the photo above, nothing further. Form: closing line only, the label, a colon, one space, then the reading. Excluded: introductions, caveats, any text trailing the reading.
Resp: 11:39:52
